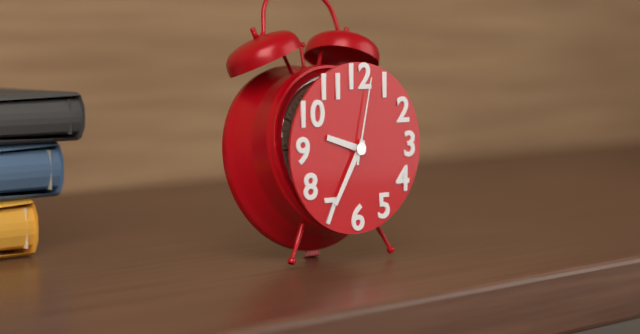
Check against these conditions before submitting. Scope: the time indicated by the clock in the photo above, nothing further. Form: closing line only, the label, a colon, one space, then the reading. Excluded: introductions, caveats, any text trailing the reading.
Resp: 9:35:02
